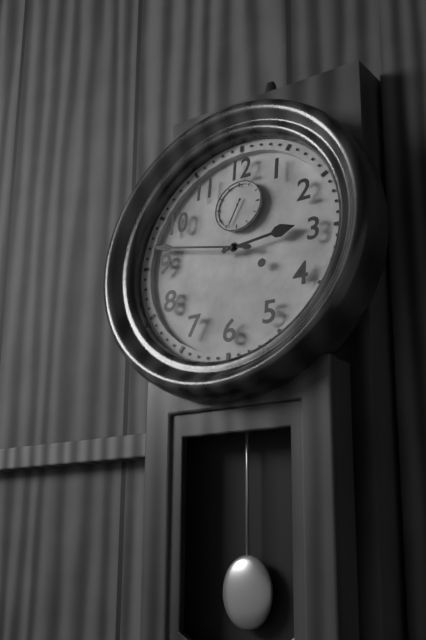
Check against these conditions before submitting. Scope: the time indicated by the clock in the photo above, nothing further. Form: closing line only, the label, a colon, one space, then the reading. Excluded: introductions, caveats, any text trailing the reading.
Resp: 2:47
